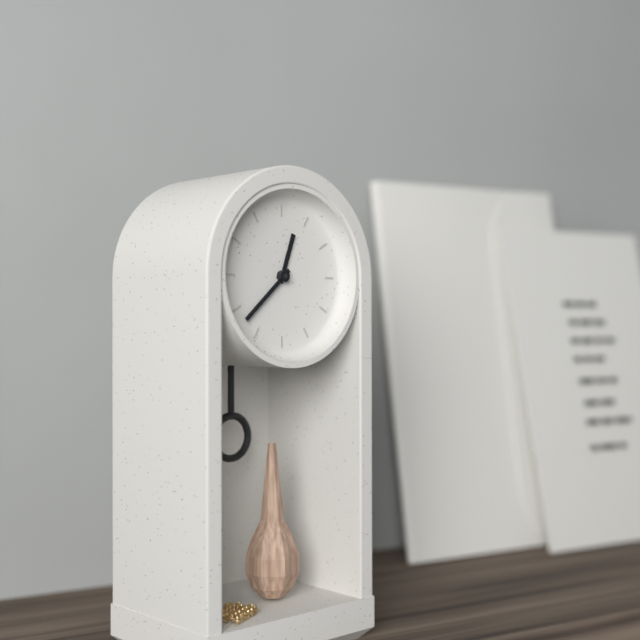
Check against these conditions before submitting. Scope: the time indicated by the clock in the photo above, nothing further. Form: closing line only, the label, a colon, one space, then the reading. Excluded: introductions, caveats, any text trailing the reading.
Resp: 12:38
